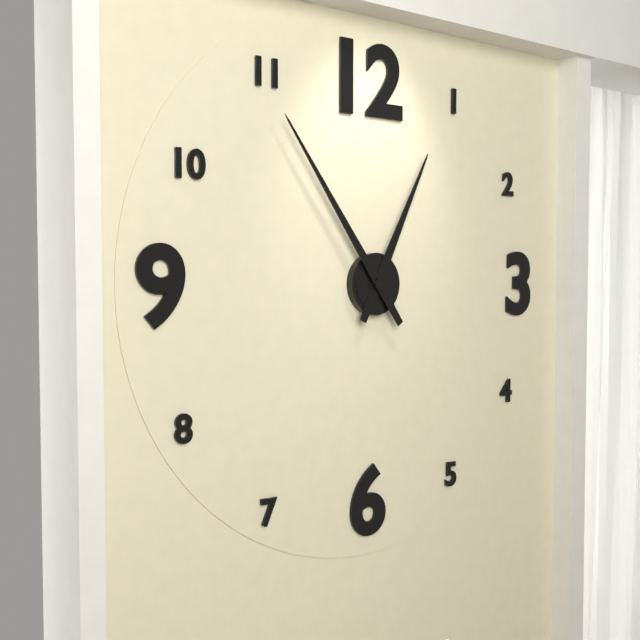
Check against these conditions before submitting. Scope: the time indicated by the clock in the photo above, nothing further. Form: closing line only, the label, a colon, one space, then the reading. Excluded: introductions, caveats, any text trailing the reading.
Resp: 12:54
